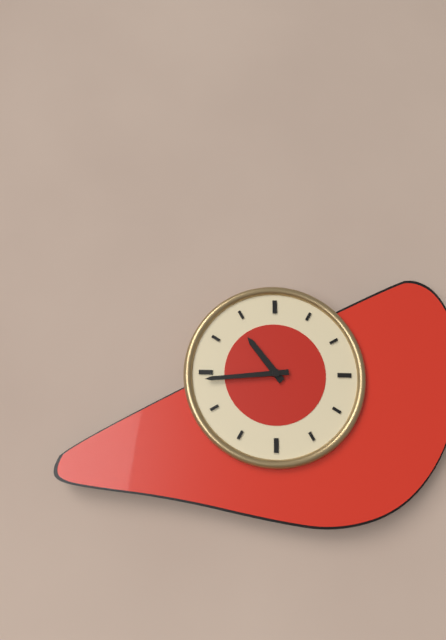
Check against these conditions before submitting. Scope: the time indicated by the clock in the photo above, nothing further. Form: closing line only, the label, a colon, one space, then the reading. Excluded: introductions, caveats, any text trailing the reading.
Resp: 10:44
